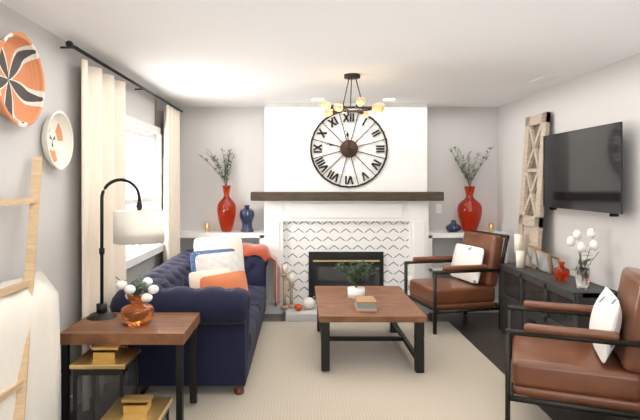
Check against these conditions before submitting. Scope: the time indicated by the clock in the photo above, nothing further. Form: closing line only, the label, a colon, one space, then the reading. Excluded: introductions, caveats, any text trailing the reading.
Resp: 11:47
